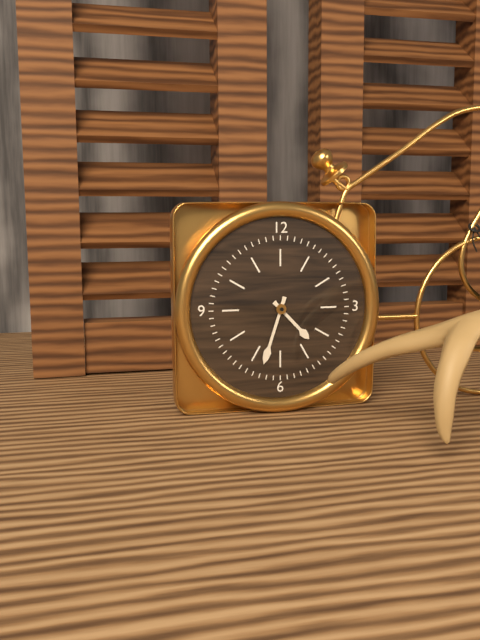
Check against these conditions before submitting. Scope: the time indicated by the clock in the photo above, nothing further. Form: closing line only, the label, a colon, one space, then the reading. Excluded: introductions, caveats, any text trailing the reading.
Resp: 4:33
